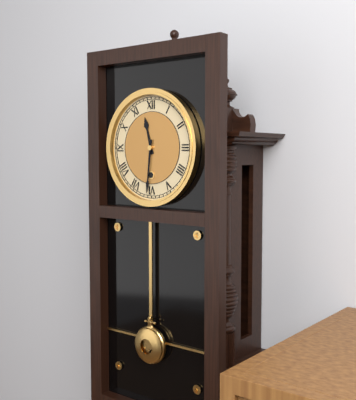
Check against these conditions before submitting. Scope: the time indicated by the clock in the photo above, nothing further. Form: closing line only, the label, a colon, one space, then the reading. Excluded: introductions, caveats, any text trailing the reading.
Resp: 11:31
